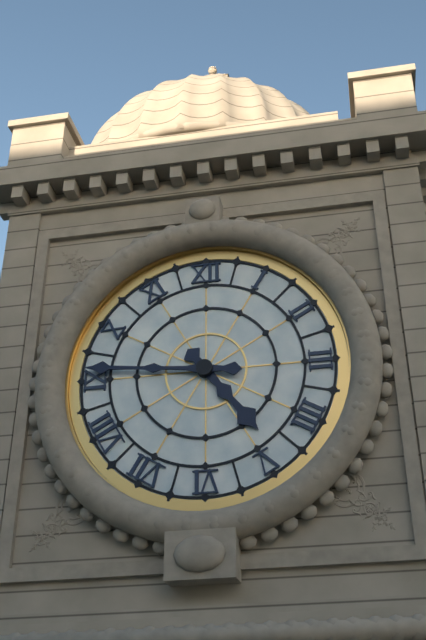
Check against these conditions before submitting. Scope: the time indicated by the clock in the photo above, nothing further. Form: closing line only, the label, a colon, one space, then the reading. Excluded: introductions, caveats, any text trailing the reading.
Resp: 4:46
